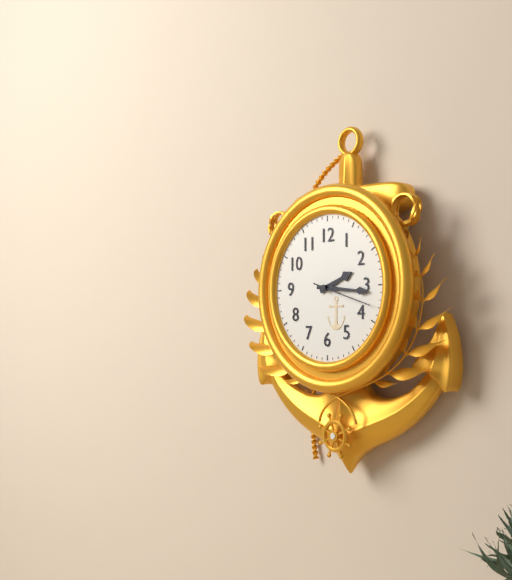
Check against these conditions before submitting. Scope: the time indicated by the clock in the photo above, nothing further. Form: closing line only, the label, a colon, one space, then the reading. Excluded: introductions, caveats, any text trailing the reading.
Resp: 2:16:18
